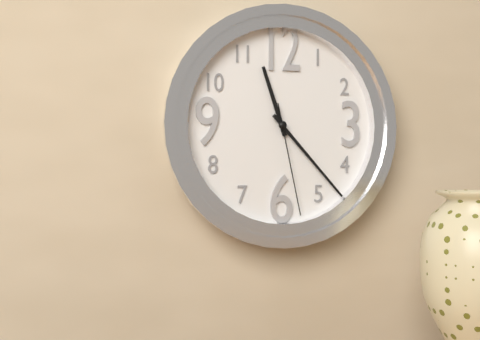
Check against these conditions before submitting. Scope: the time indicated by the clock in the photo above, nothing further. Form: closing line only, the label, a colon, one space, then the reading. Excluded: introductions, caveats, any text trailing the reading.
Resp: 11:23:28
